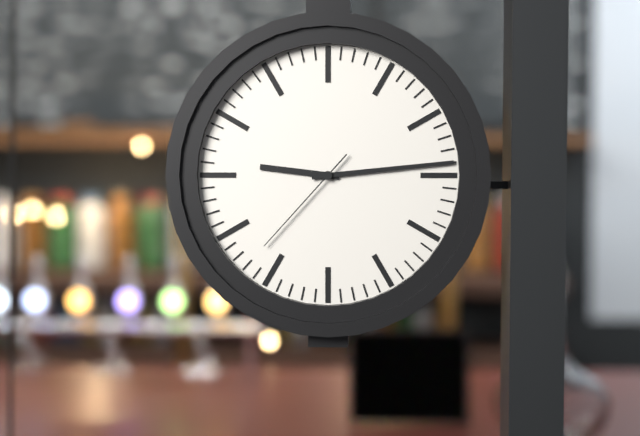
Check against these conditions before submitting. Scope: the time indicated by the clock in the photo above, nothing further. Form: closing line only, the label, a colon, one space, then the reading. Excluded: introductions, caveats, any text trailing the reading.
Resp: 9:14:37
